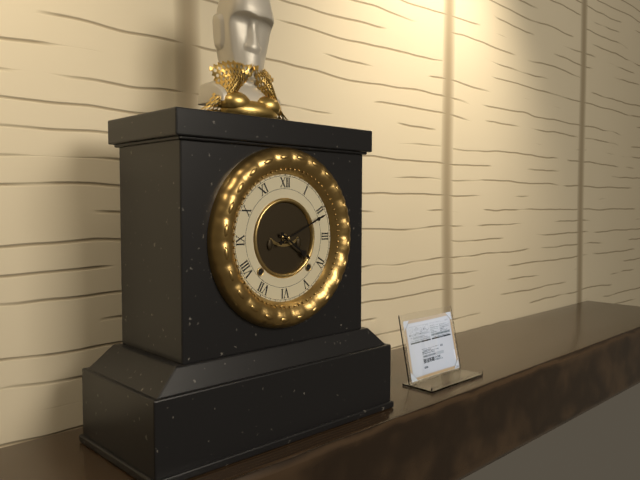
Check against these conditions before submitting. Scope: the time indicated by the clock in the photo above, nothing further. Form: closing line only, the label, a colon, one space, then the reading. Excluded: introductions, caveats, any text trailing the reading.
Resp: 4:11
